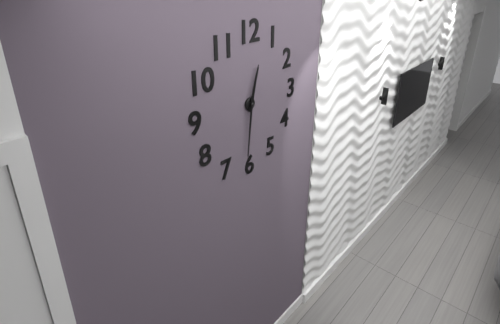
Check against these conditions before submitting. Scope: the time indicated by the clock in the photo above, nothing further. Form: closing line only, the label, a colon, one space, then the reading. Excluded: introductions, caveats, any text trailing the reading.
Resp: 12:31
